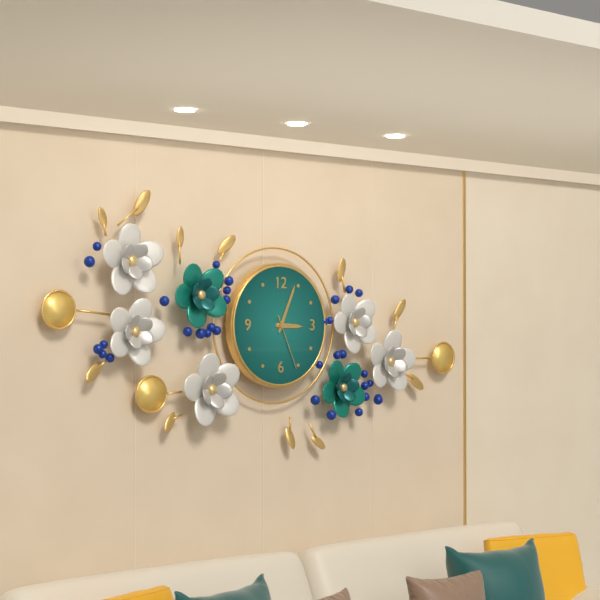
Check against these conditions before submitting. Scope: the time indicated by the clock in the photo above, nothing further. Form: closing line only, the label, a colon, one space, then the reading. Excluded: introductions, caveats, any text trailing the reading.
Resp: 3:04:26
